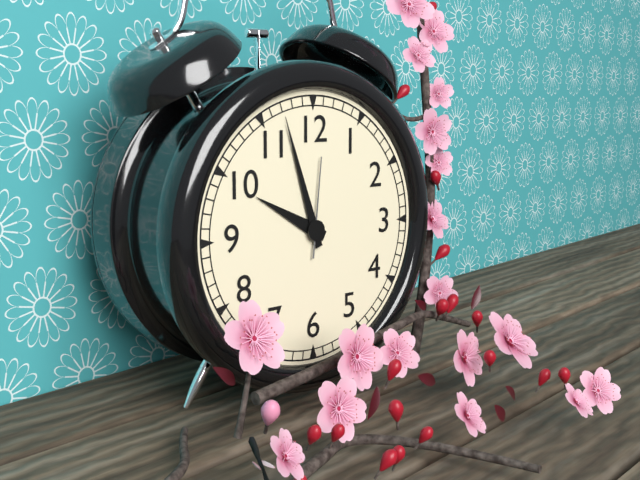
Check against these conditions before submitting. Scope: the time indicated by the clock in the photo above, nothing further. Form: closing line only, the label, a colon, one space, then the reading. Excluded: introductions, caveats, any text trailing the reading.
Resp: 9:57:01
